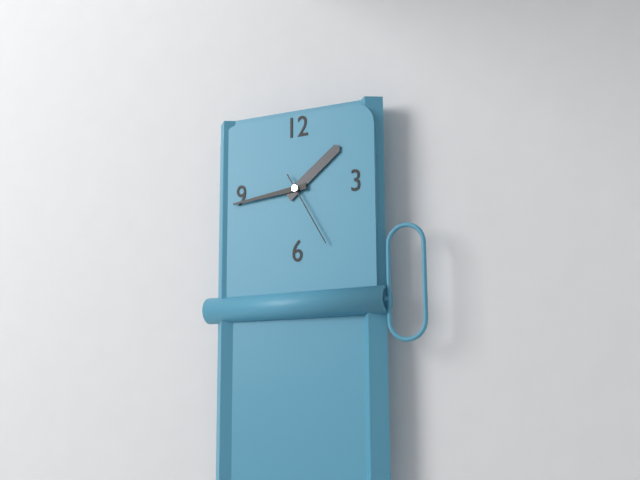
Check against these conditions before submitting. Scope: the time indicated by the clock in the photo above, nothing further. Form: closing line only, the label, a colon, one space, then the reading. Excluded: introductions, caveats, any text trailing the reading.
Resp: 1:44:25
